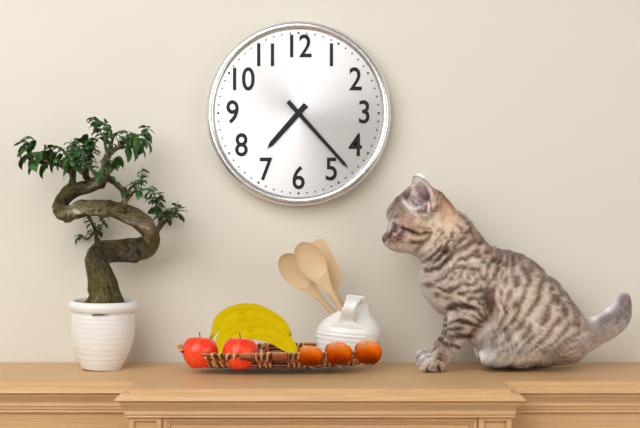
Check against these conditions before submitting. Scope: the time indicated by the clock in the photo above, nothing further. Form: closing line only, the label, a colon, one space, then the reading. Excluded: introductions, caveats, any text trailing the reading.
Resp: 7:23
